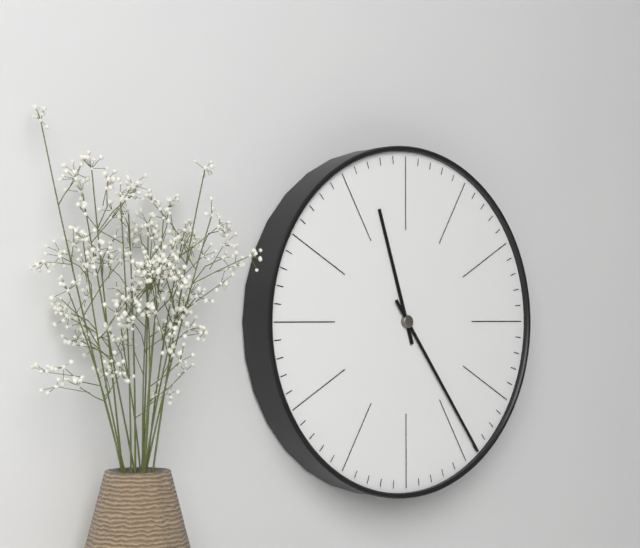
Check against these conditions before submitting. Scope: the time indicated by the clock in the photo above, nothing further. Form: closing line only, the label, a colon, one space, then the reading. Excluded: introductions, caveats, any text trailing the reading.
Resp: 11:24
